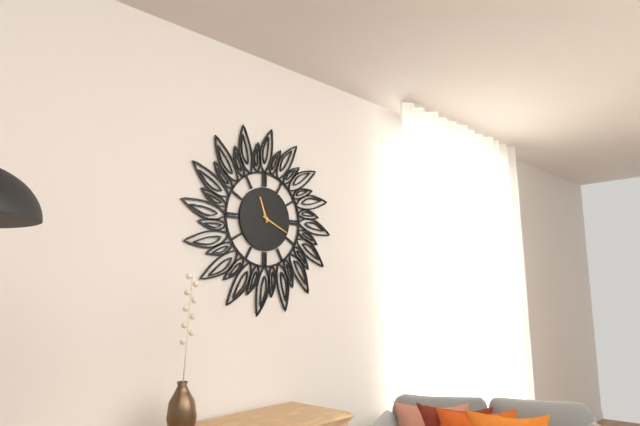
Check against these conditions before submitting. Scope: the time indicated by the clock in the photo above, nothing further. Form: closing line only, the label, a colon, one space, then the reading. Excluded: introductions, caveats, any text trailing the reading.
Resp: 11:19
